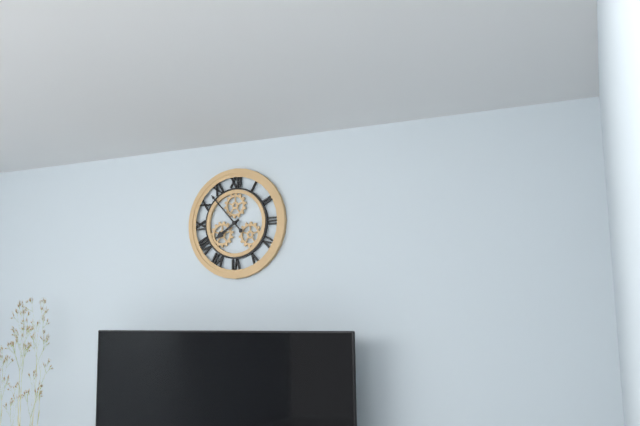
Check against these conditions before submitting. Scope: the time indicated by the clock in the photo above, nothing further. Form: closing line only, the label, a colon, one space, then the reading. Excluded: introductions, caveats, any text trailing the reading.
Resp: 7:53
